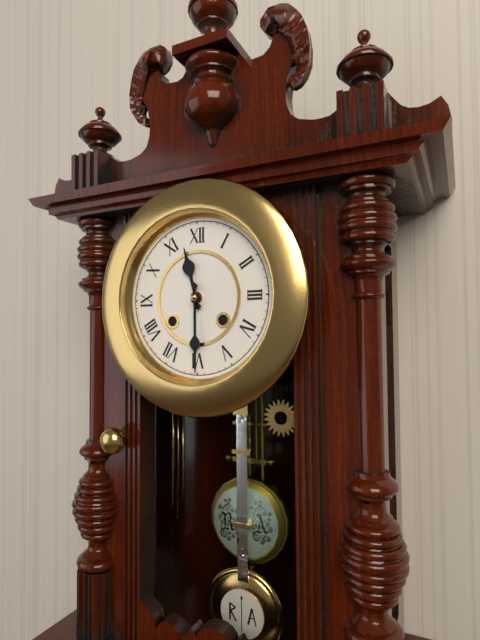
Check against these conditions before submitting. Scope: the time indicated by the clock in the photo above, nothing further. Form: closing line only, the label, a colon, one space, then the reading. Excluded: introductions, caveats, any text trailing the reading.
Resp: 11:30
